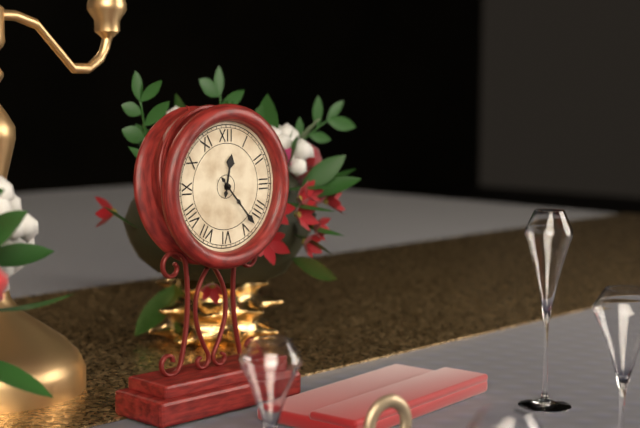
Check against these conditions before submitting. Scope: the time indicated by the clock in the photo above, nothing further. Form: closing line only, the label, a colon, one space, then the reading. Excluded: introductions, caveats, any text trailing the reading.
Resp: 12:23
